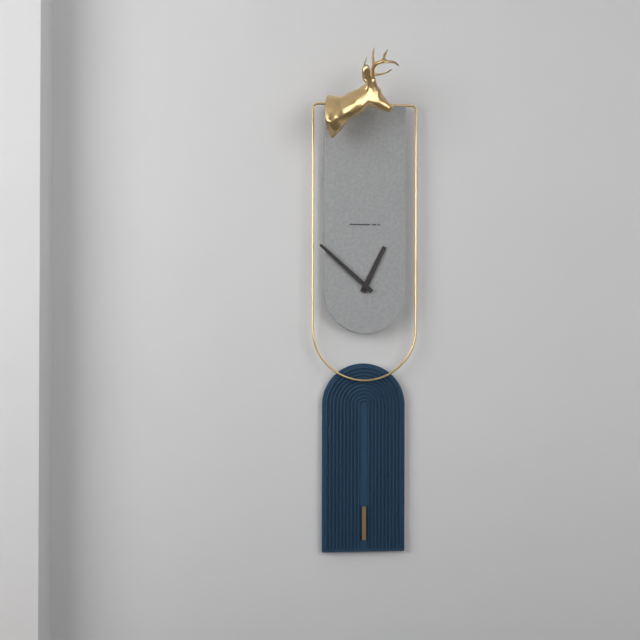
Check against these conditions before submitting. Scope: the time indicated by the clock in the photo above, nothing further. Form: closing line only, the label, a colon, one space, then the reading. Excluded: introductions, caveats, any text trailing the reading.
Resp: 12:52
